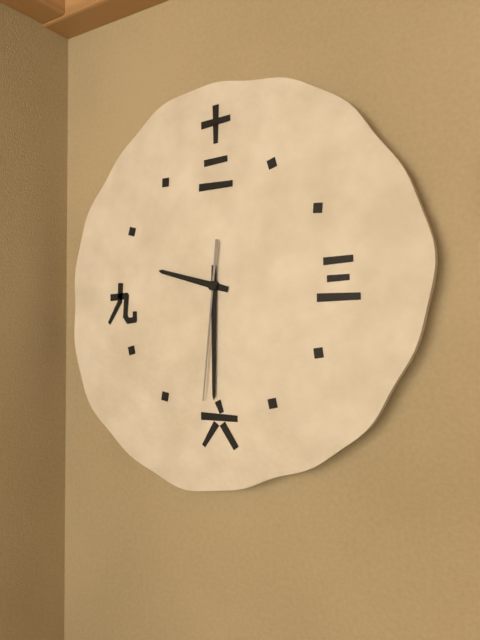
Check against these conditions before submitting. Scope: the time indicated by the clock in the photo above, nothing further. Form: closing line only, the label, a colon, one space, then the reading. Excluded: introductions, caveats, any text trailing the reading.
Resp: 9:30:31
